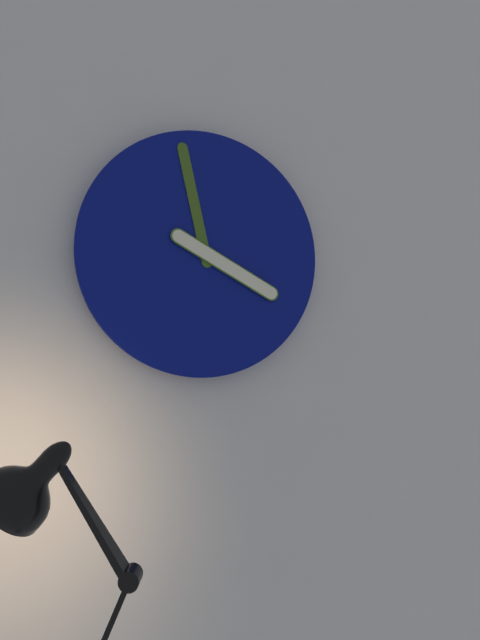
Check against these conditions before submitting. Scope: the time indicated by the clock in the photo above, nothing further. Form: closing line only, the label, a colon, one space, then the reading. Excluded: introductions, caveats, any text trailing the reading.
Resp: 3:58
